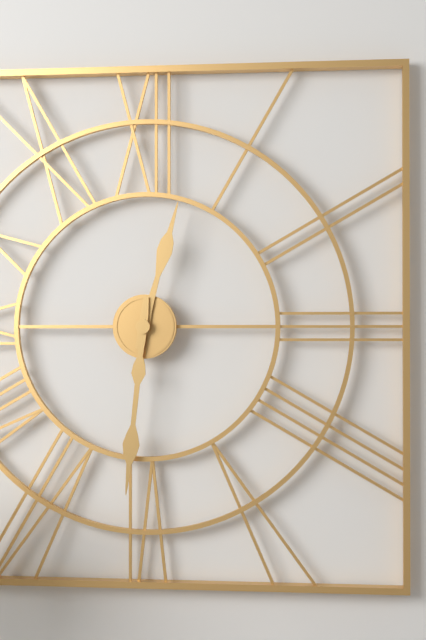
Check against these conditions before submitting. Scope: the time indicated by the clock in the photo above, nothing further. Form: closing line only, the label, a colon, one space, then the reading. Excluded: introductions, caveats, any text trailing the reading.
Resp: 12:31
